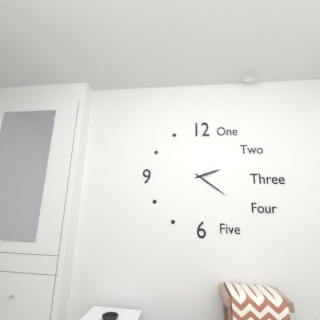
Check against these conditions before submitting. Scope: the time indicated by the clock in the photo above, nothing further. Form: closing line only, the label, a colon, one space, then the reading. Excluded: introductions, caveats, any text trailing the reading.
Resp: 2:21
